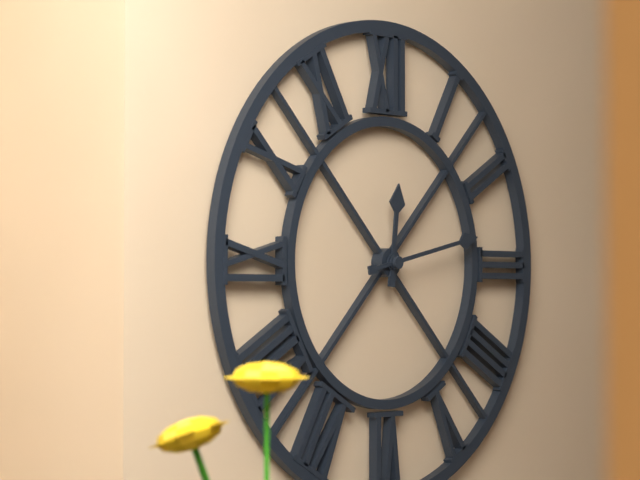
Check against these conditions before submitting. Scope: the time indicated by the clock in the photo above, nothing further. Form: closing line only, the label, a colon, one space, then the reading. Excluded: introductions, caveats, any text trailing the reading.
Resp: 12:13
